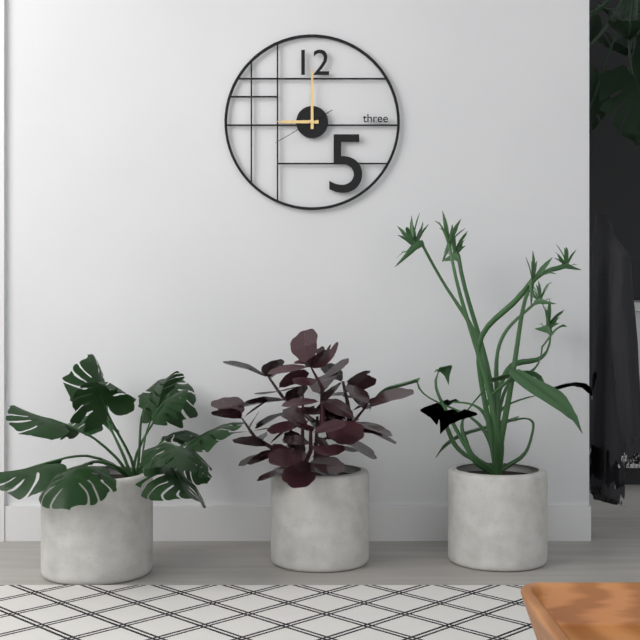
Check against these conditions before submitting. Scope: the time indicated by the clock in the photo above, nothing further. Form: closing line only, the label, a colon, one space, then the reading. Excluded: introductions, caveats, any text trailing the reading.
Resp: 9:00:40
